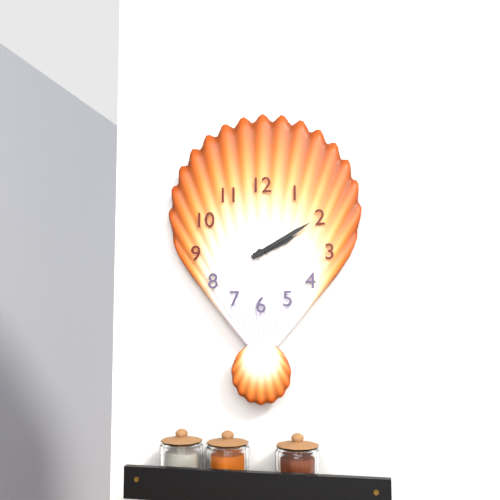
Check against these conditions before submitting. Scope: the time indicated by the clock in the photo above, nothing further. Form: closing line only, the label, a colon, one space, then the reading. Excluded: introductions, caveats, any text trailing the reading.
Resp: 2:10
